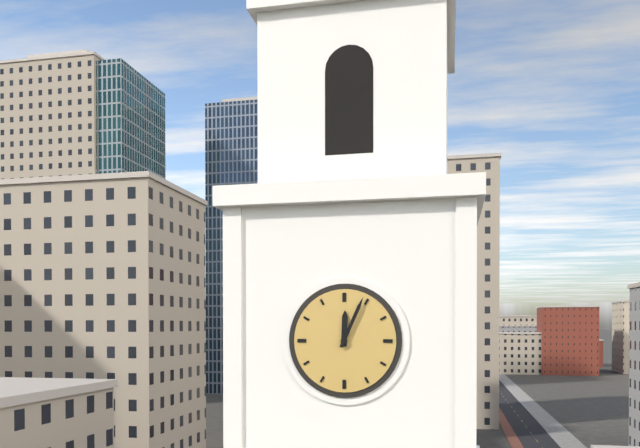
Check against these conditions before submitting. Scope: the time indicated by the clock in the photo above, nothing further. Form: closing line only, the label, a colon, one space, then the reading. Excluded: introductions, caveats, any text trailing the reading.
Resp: 12:04
